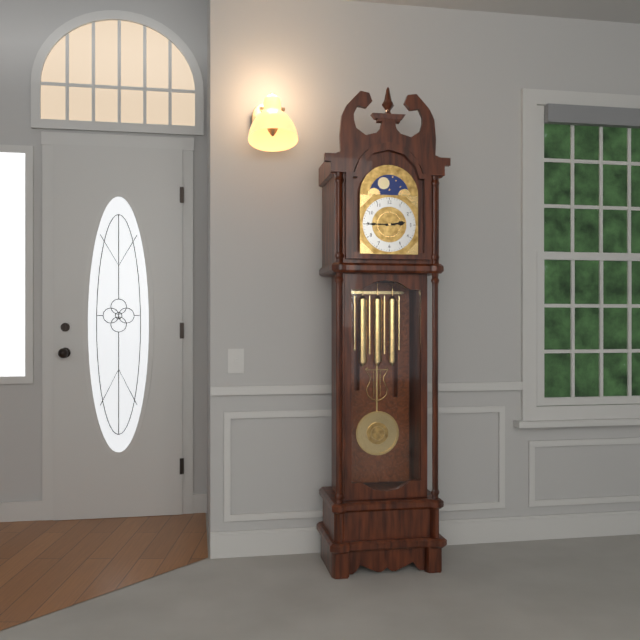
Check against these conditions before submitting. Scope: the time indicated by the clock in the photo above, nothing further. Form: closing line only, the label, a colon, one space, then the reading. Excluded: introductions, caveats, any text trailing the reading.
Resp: 2:45
